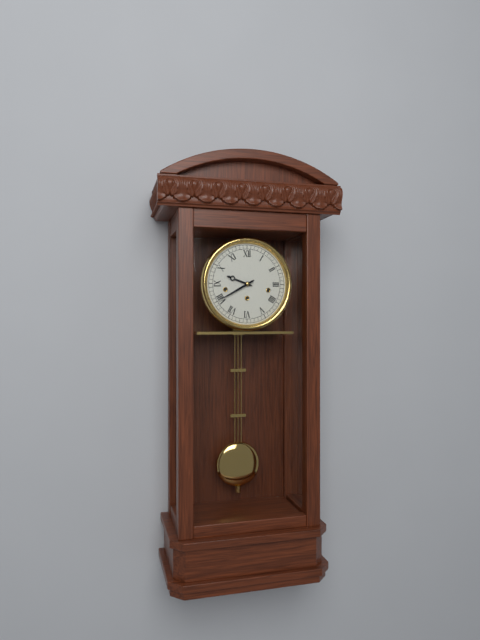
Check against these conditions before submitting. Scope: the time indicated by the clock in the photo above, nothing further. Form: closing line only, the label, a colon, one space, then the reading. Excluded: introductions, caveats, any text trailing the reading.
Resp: 9:40
